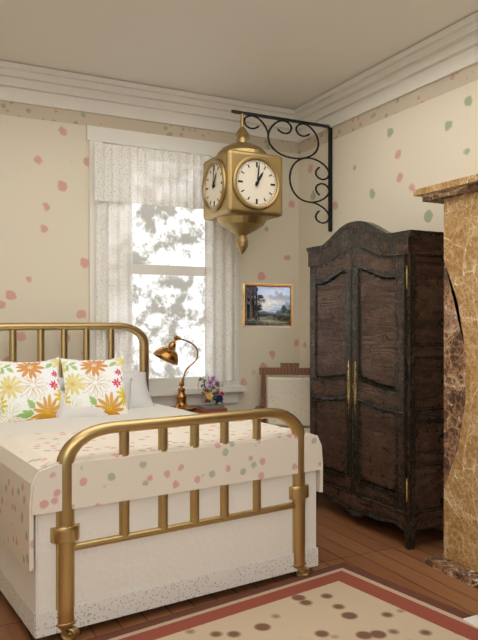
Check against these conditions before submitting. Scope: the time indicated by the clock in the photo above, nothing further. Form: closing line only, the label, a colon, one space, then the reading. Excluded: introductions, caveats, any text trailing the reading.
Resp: 1:01
